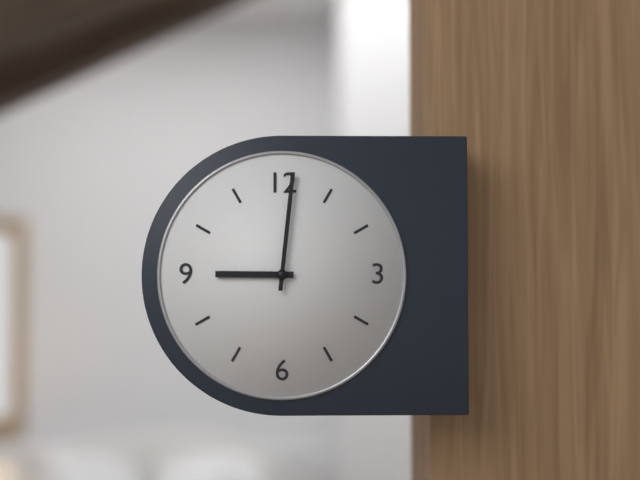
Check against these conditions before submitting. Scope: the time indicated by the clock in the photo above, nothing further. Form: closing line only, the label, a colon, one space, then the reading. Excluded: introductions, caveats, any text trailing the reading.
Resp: 9:01
